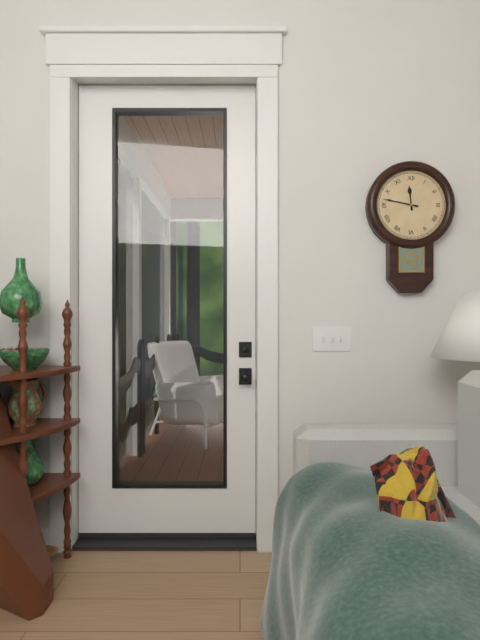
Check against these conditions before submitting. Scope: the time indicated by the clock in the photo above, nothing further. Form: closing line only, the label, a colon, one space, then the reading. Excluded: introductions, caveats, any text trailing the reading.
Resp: 11:47
